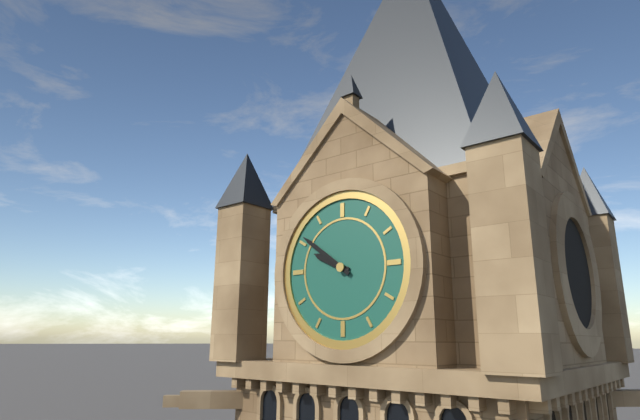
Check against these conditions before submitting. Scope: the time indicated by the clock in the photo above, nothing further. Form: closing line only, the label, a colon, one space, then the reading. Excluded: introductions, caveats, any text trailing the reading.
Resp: 9:51
